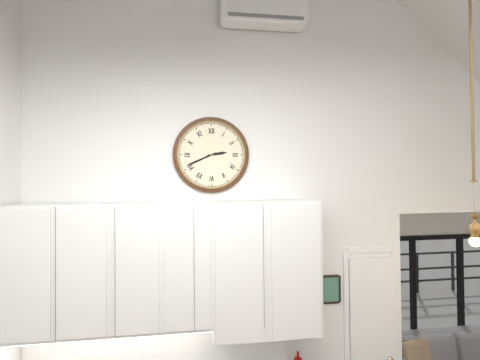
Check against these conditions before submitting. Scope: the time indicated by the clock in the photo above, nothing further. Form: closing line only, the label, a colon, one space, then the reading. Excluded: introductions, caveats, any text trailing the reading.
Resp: 2:41
